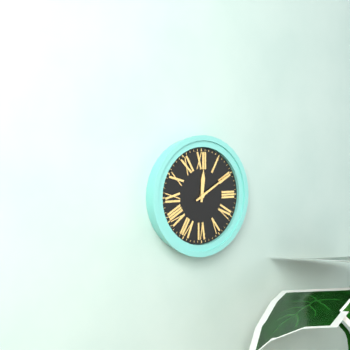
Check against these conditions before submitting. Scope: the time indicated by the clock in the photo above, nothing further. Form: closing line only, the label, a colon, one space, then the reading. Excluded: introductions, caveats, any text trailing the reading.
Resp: 12:10
